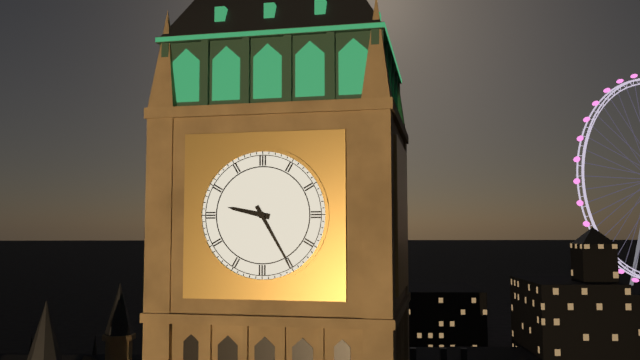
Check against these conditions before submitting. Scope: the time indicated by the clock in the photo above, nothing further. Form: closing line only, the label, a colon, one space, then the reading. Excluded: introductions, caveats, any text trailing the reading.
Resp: 9:25
